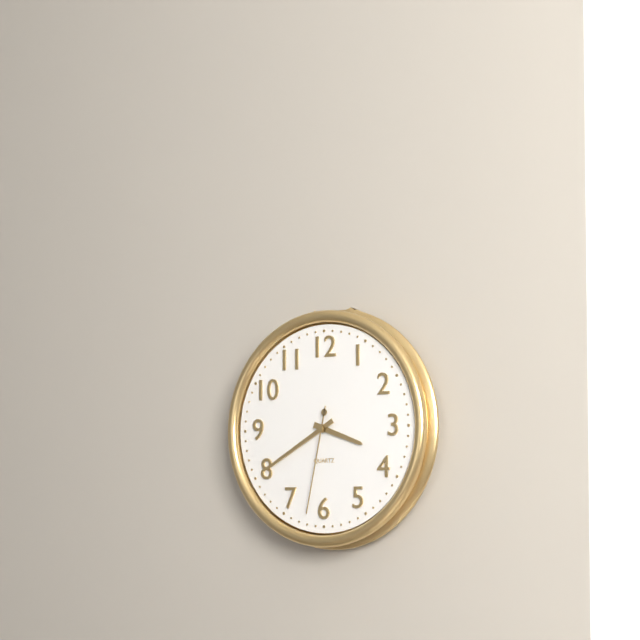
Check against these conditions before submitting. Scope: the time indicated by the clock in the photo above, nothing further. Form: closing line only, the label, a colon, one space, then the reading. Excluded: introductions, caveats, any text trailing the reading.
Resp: 3:40:32
